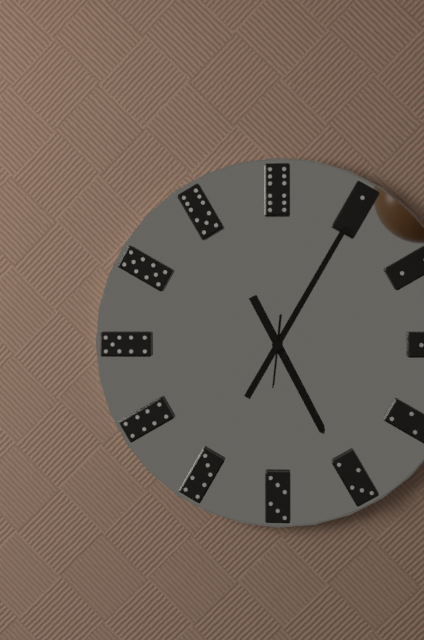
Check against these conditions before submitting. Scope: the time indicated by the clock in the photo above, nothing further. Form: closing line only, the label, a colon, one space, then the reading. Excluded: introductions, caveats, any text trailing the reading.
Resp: 5:05:31
